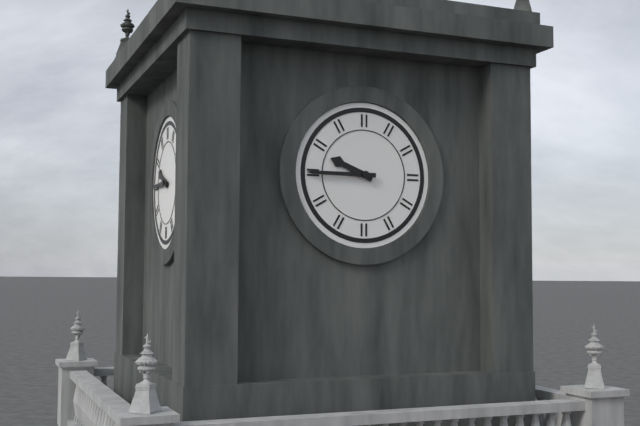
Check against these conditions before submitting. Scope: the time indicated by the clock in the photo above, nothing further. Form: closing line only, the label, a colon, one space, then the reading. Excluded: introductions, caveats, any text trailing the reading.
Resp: 9:45
